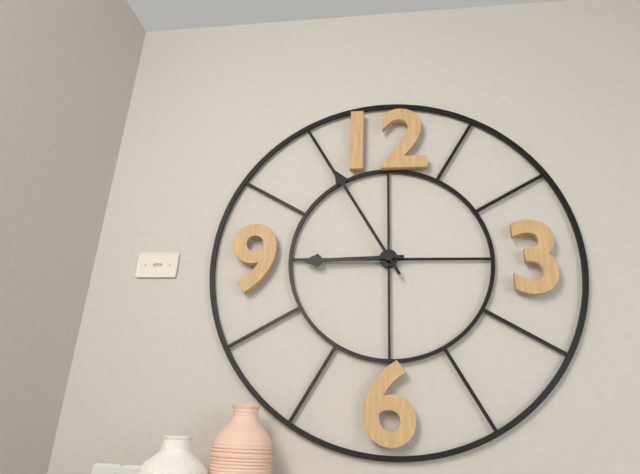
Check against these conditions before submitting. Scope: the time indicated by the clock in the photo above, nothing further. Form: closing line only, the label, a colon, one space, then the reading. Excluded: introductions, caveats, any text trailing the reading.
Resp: 8:55
